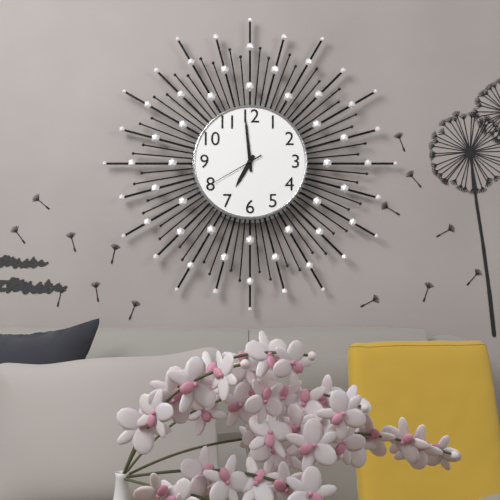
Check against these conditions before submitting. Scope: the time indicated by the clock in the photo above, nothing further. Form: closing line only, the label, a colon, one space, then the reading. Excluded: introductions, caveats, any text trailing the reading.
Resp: 6:59:40
